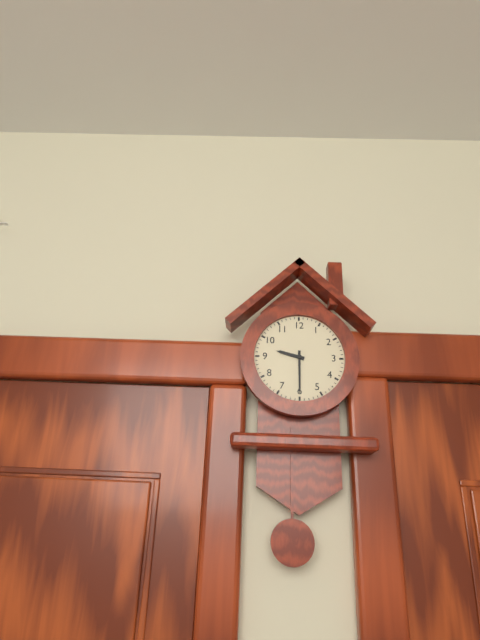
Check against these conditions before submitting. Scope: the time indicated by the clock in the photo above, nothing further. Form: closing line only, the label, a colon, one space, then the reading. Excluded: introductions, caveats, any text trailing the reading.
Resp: 9:30
